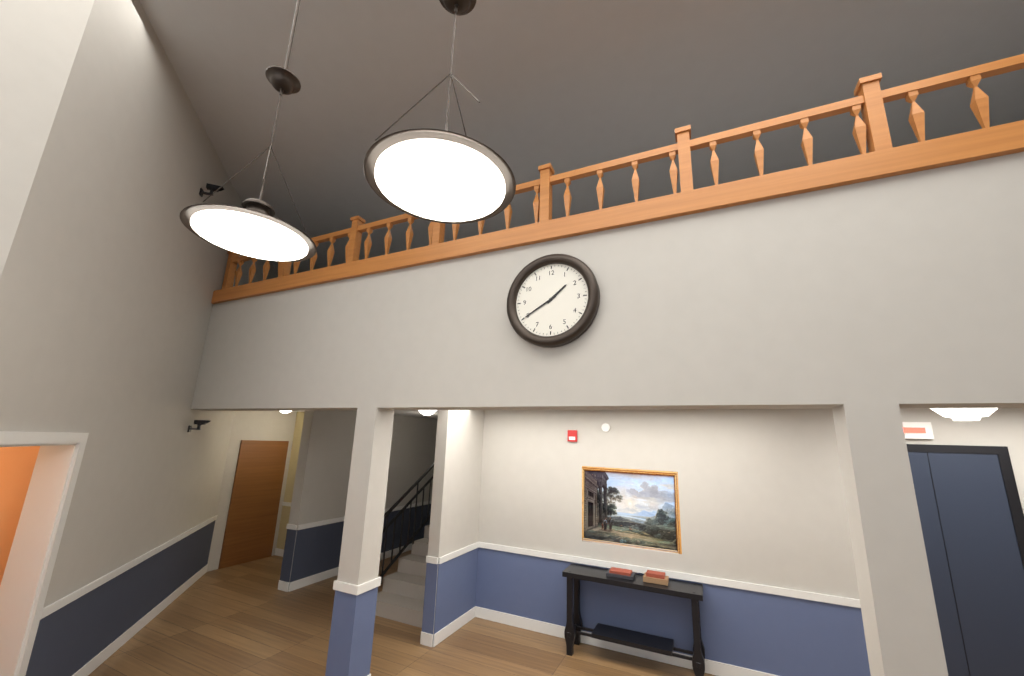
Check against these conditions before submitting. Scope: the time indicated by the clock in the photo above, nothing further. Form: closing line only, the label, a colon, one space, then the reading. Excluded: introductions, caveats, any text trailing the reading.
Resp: 1:40
